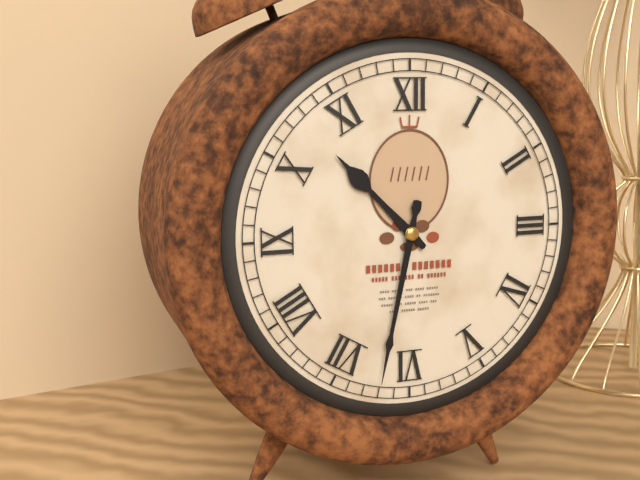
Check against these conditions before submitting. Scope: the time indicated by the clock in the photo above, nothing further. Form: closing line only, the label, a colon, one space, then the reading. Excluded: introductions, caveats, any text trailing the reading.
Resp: 10:32
